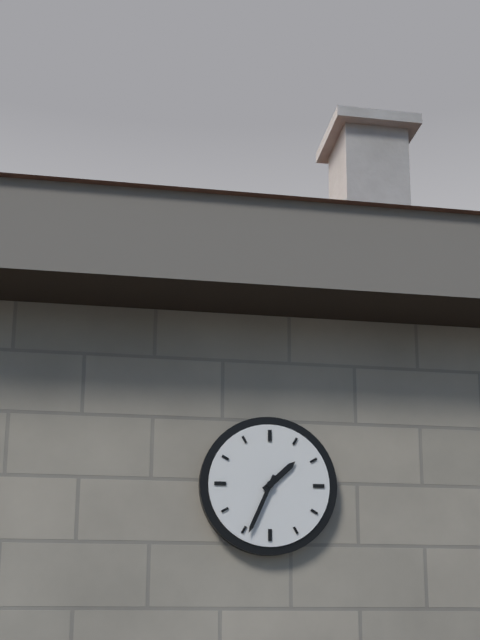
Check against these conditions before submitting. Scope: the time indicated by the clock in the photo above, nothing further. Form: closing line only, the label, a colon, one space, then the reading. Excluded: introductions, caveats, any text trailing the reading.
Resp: 1:34
